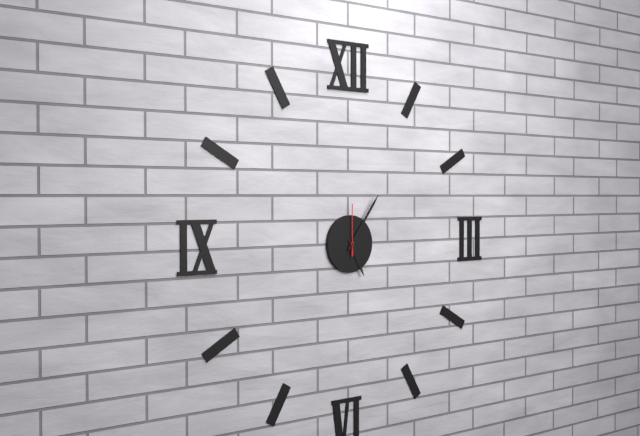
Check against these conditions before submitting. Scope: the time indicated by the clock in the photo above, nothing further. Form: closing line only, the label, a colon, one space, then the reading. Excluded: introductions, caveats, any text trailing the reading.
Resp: 5:06:00
